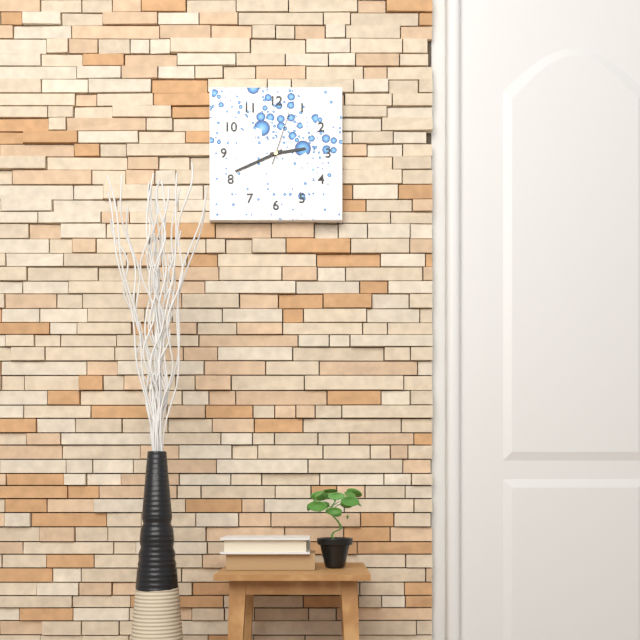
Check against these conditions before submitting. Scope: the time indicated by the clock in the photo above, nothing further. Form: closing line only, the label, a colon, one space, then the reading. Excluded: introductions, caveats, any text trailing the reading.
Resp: 2:41:03
